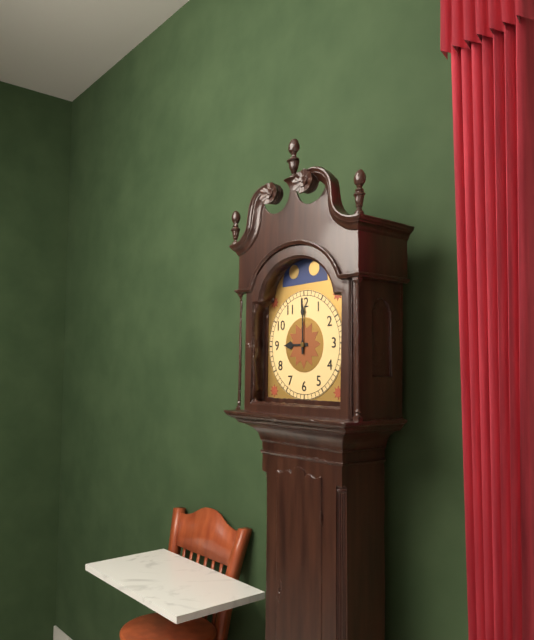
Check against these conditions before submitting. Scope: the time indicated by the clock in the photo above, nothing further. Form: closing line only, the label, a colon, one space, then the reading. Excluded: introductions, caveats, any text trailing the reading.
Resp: 9:00
